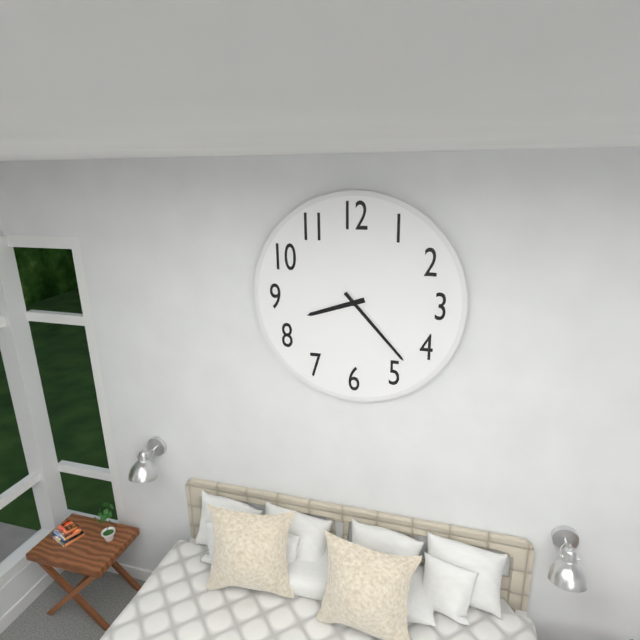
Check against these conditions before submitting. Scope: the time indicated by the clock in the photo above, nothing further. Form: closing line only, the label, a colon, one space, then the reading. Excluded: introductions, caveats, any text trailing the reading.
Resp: 8:23
